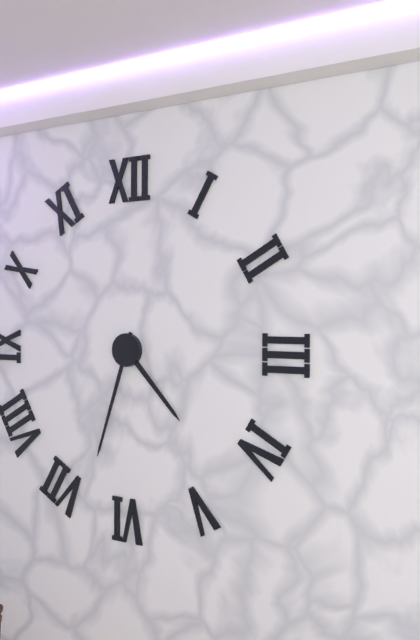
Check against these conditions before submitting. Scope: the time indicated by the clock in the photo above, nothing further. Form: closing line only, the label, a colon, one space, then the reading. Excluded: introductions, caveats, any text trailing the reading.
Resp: 4:33
